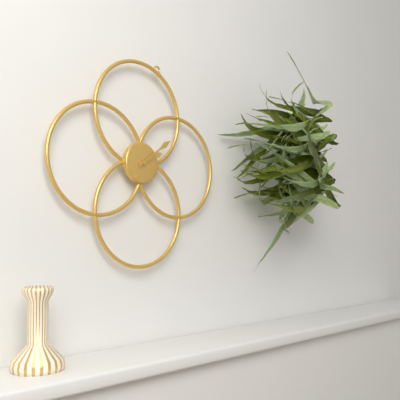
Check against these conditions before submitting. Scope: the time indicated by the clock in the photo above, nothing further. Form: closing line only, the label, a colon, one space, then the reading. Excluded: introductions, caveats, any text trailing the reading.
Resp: 2:09
